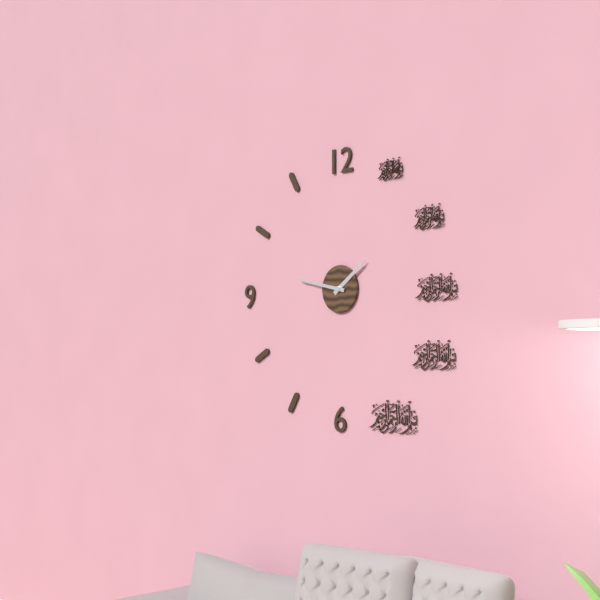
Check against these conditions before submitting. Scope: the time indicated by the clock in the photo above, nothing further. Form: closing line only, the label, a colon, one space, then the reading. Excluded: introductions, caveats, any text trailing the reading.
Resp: 1:47
